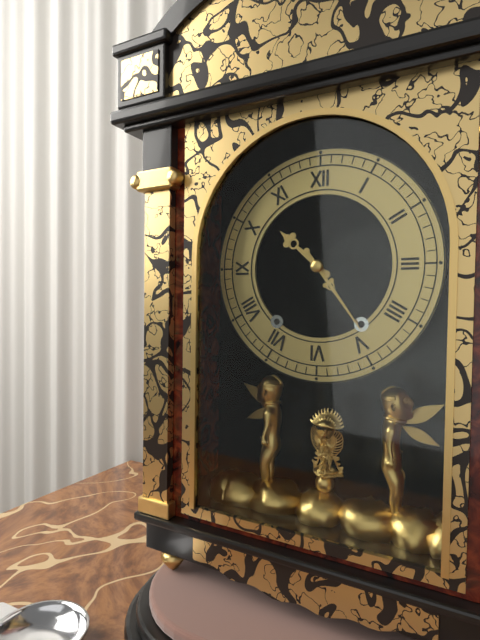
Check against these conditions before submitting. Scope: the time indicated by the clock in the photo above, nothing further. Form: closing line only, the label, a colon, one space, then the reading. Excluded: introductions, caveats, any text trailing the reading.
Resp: 10:24
